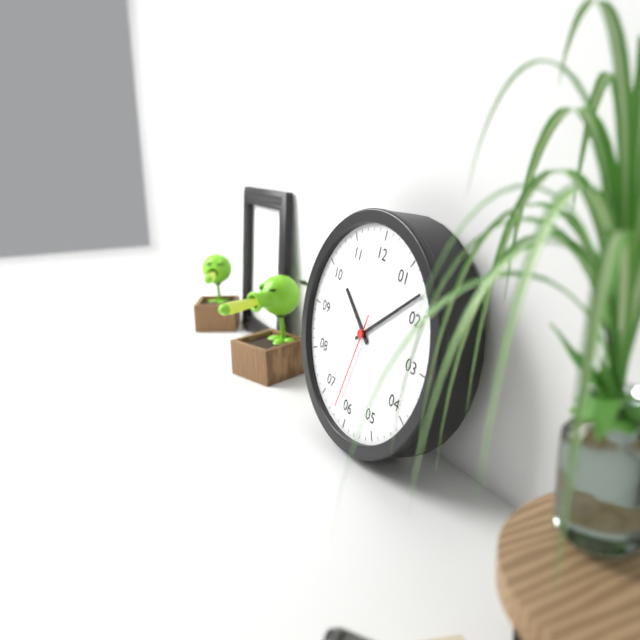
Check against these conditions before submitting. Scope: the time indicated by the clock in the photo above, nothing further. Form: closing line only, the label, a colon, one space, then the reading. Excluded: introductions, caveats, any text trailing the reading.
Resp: 10:08:32
